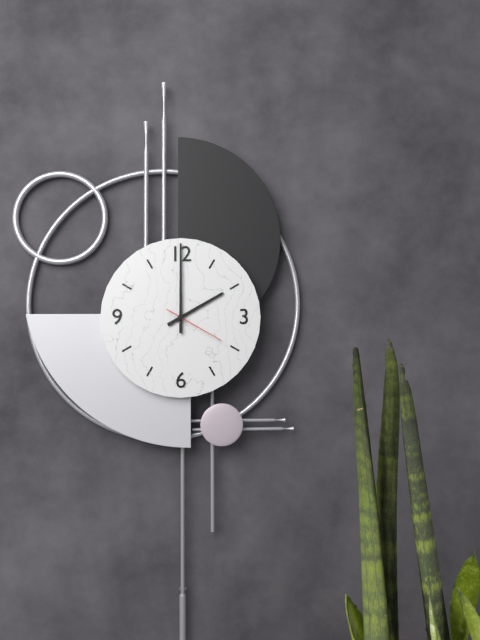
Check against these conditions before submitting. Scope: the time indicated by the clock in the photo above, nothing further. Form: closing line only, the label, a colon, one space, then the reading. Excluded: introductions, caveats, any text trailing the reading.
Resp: 2:00:20
